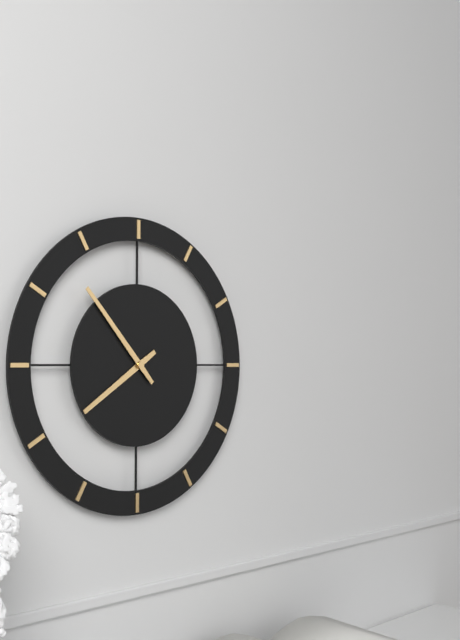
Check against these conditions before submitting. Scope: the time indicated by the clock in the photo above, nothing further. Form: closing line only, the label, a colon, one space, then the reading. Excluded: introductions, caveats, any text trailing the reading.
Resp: 7:53
